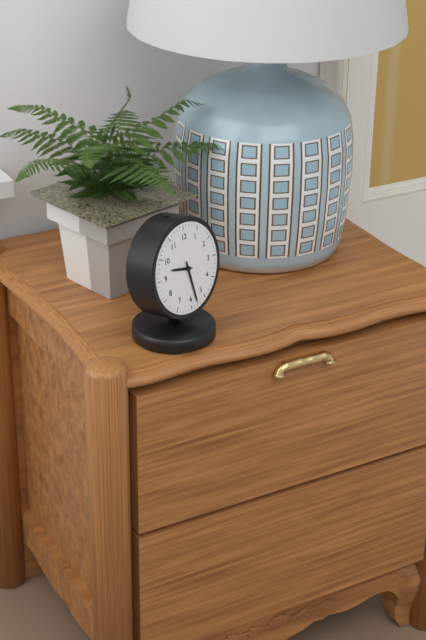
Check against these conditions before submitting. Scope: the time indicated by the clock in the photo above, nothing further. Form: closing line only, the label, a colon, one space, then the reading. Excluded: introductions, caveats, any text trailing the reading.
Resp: 9:28
